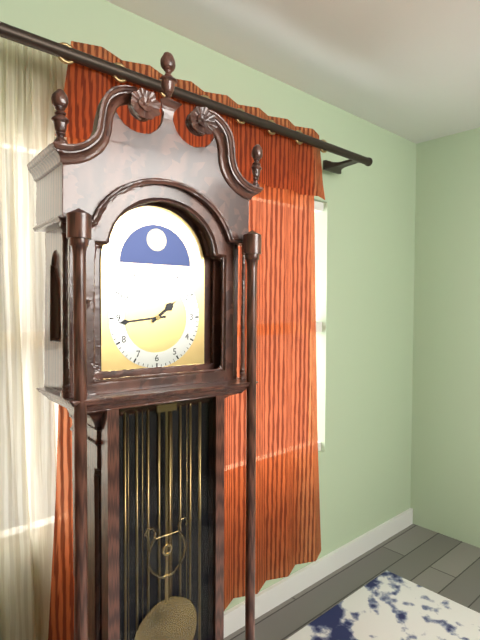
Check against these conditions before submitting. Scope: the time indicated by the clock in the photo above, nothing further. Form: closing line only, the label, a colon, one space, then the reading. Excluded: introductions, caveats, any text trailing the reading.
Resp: 1:44
